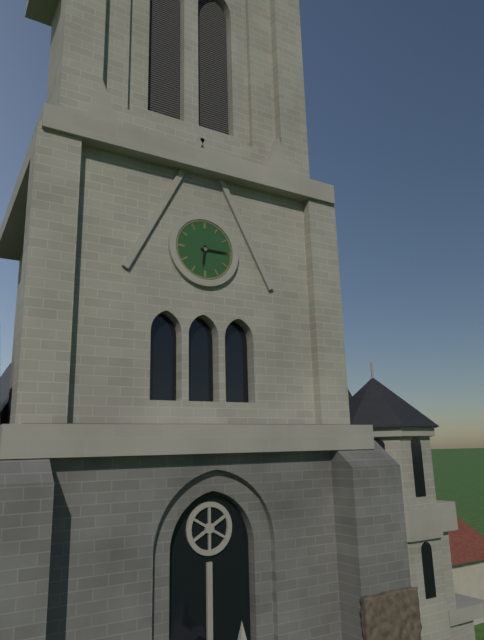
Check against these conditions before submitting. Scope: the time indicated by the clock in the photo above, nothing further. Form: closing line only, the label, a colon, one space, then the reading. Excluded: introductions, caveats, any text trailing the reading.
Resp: 6:15
